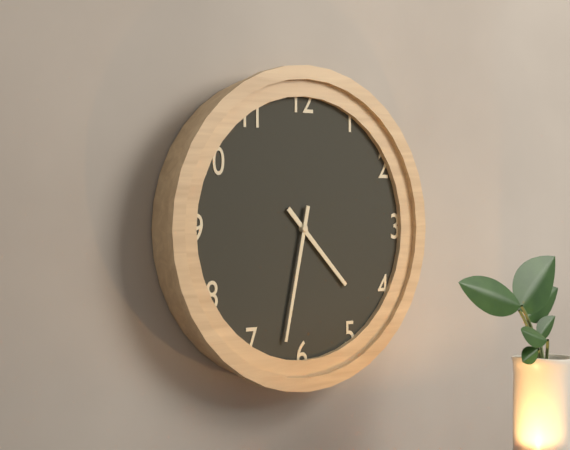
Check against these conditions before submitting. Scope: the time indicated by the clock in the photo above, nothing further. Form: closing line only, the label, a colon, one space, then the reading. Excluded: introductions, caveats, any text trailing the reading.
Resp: 4:32
